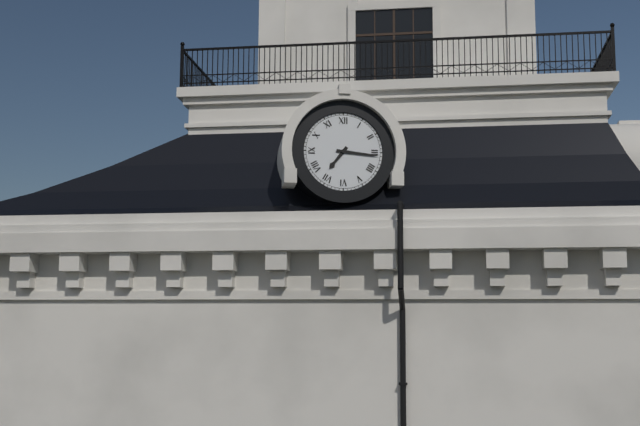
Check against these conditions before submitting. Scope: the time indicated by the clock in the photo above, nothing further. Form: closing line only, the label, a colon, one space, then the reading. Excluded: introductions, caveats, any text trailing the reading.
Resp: 7:16
